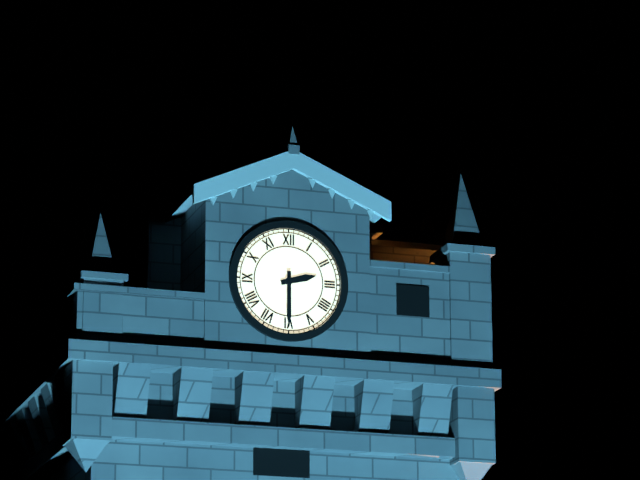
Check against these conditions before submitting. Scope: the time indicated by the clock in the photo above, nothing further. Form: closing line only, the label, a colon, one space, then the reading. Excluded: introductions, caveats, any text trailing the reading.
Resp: 2:30
